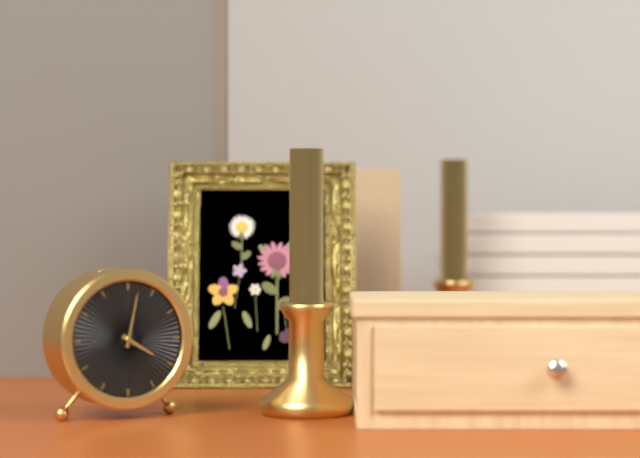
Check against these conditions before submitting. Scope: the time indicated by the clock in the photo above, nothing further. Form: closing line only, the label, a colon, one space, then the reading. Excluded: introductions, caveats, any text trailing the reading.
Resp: 4:02
